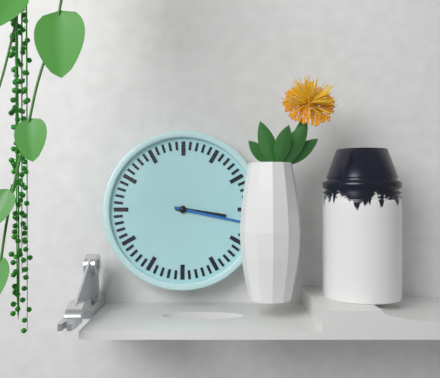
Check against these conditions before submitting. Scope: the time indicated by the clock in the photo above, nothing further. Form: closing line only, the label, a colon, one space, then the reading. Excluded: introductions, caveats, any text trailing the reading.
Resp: 3:17
